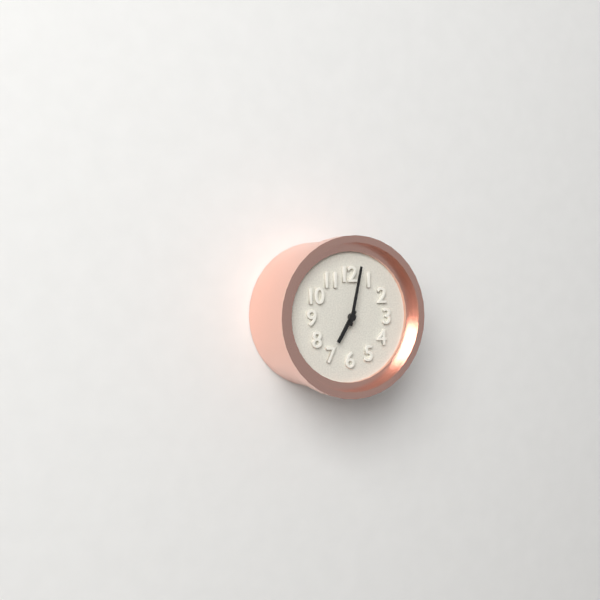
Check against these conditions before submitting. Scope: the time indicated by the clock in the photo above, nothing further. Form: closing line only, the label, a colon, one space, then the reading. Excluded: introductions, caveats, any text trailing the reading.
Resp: 7:02
